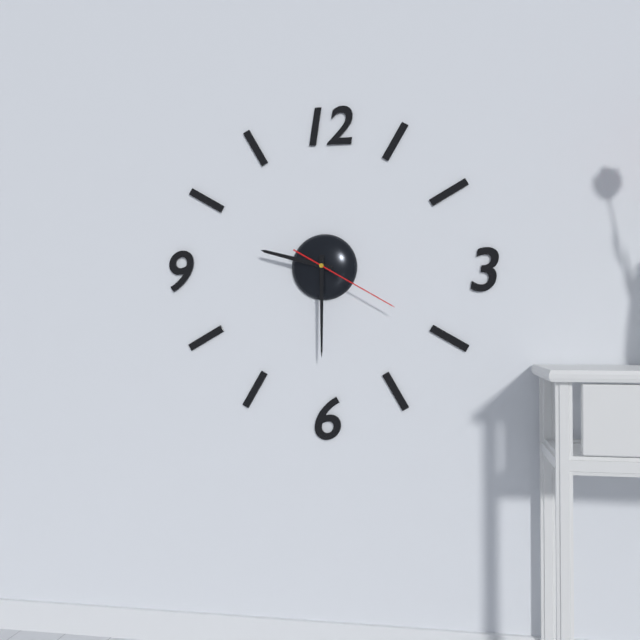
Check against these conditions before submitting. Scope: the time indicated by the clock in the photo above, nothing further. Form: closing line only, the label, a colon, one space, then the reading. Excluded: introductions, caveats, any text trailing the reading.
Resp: 9:30:20
